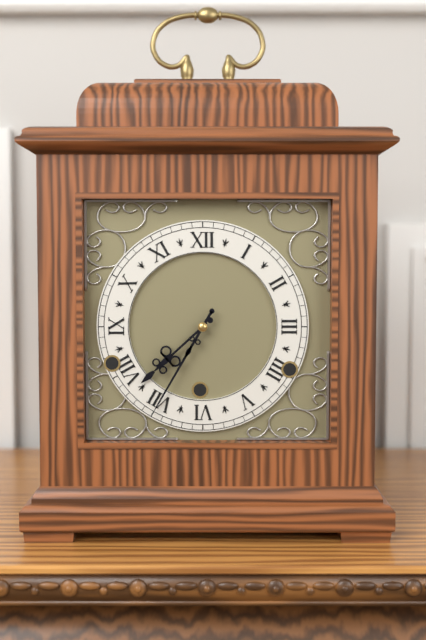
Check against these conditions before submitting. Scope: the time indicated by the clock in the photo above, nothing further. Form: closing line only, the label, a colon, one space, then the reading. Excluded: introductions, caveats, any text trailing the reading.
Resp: 7:35
